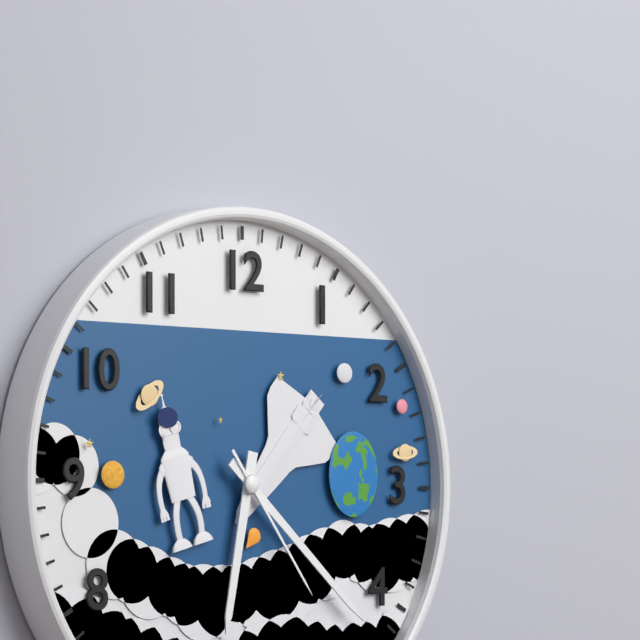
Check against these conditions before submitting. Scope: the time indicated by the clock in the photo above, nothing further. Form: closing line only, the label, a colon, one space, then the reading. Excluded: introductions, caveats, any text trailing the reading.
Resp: 6:22:24
